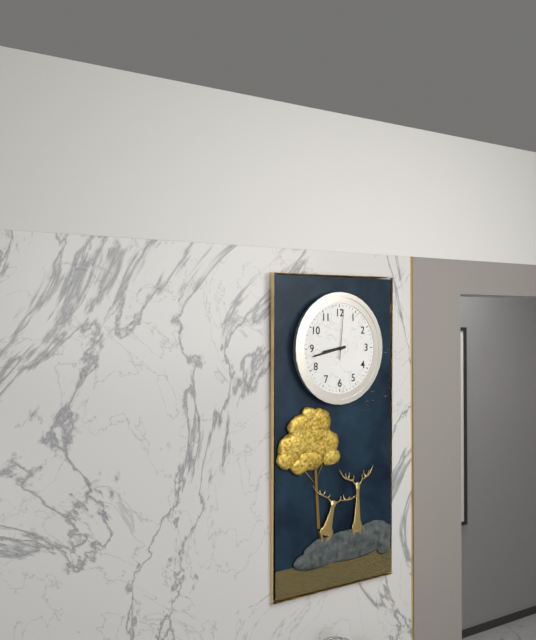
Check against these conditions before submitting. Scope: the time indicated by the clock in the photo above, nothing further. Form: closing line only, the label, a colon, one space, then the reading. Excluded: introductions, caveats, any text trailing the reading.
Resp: 8:43
